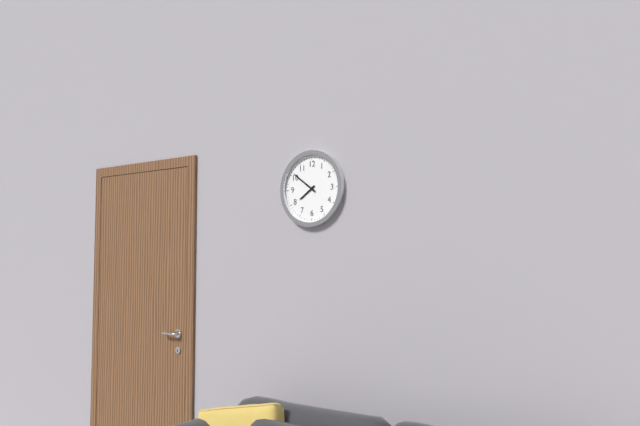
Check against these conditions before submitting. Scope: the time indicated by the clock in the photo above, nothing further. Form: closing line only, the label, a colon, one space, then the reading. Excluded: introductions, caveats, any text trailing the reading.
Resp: 7:51
